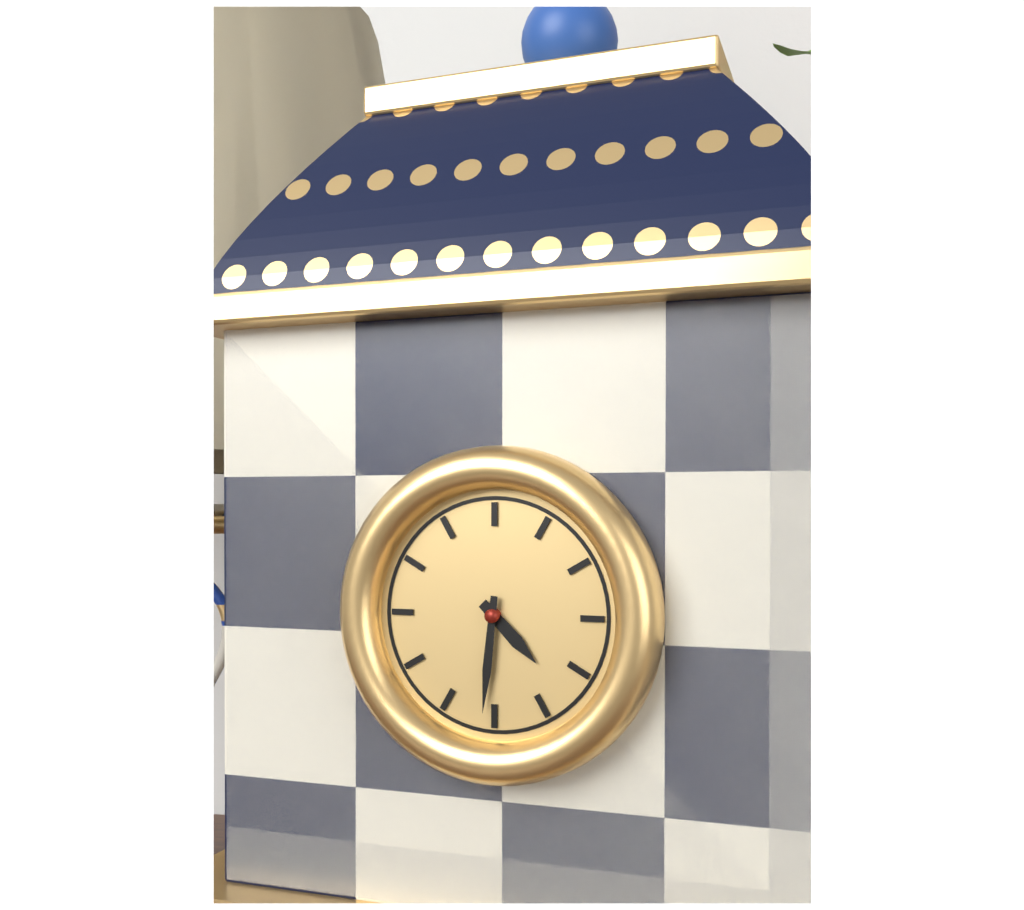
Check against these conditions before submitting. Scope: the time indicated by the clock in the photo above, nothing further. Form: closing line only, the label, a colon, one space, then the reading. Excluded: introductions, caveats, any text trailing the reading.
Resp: 4:31
